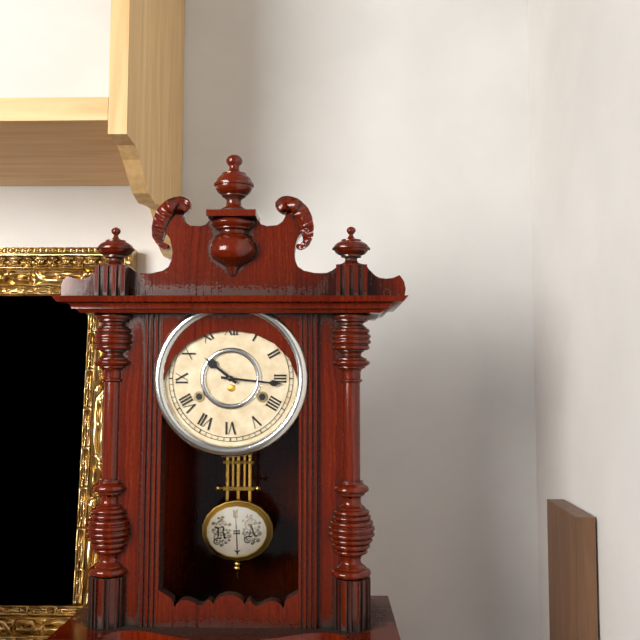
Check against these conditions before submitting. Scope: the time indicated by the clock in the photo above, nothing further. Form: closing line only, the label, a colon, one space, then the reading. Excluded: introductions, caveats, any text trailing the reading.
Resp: 10:16
